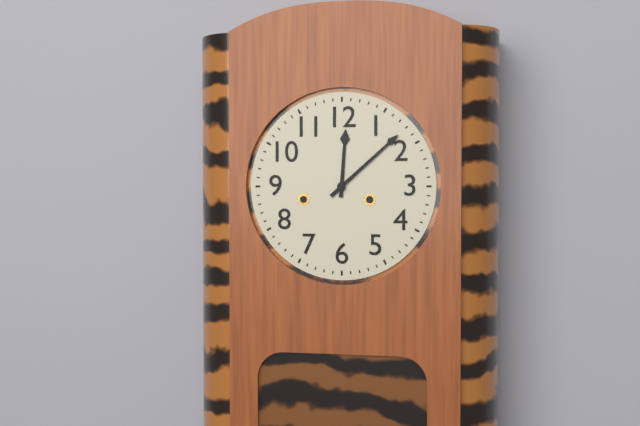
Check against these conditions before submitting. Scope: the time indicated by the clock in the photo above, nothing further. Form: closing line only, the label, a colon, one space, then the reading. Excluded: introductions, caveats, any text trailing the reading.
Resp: 12:08
